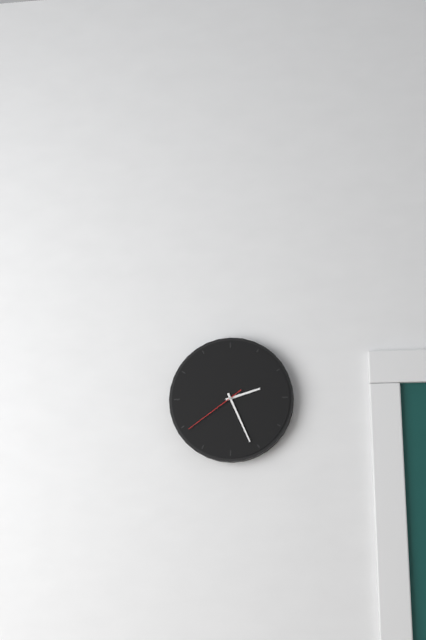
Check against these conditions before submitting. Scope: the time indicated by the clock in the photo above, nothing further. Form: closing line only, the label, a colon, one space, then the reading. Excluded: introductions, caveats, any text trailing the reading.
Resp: 2:26:39
